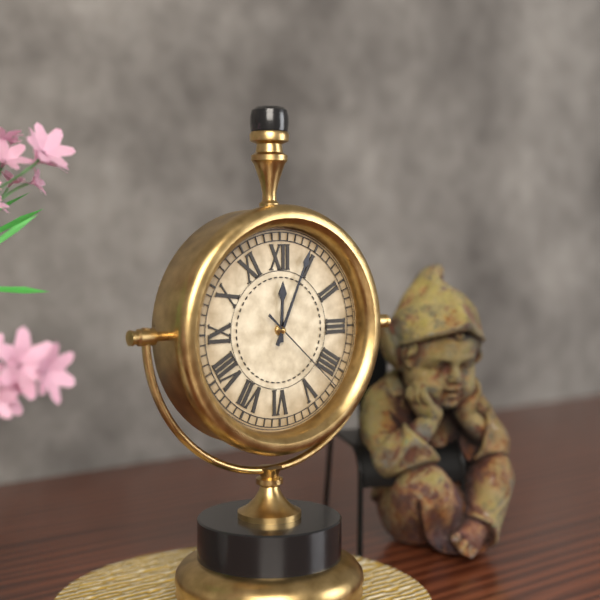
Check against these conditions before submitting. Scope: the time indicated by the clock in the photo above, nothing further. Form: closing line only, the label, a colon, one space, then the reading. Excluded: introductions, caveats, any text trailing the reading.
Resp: 12:04:22
